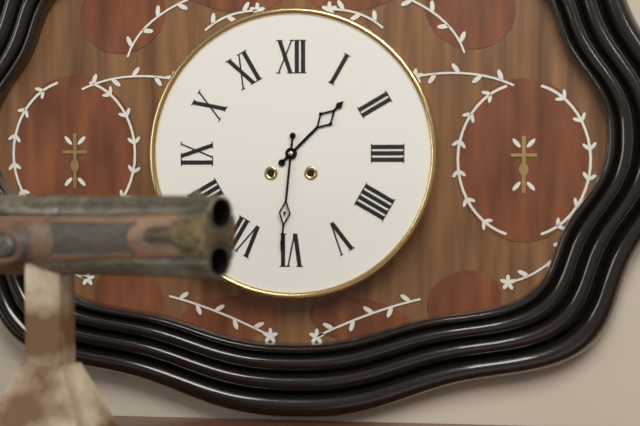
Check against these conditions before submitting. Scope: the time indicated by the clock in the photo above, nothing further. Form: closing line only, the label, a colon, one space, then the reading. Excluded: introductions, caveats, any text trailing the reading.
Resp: 1:31
